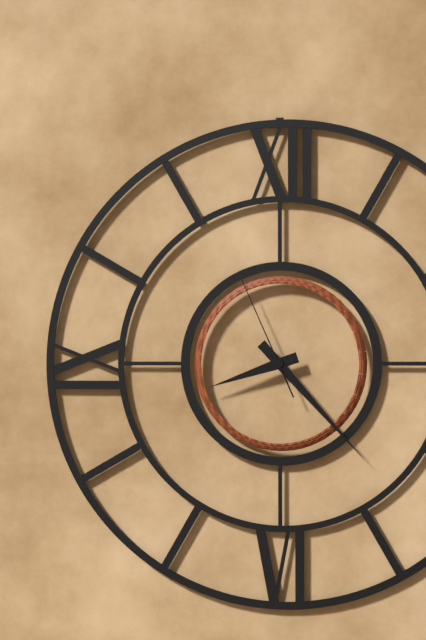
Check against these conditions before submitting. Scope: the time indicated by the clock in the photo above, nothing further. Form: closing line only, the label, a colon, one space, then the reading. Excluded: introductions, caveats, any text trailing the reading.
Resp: 8:23:56
